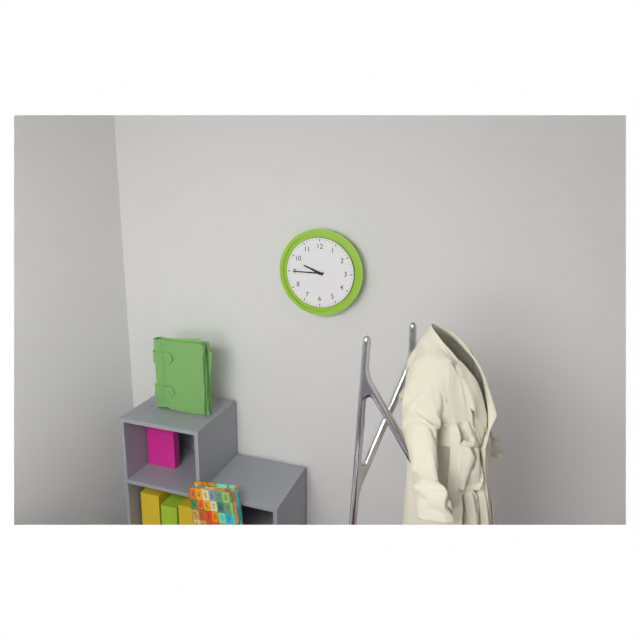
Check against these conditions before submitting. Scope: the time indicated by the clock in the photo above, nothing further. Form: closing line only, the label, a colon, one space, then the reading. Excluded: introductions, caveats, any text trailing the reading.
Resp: 9:45
